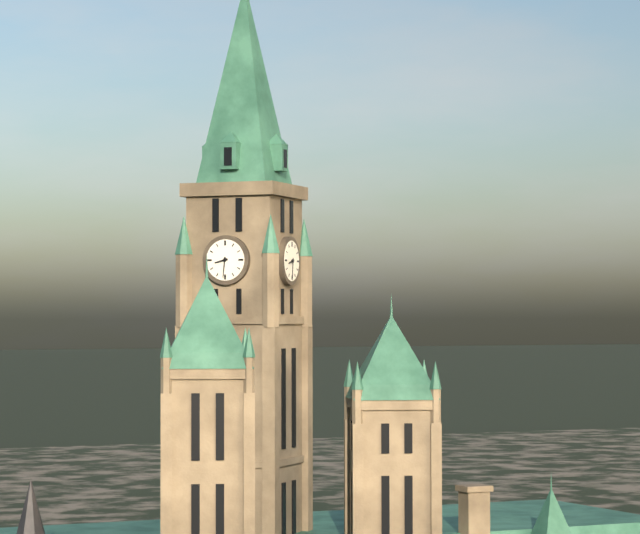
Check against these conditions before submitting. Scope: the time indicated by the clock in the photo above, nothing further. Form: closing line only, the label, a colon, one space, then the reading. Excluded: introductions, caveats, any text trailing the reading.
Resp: 8:31
